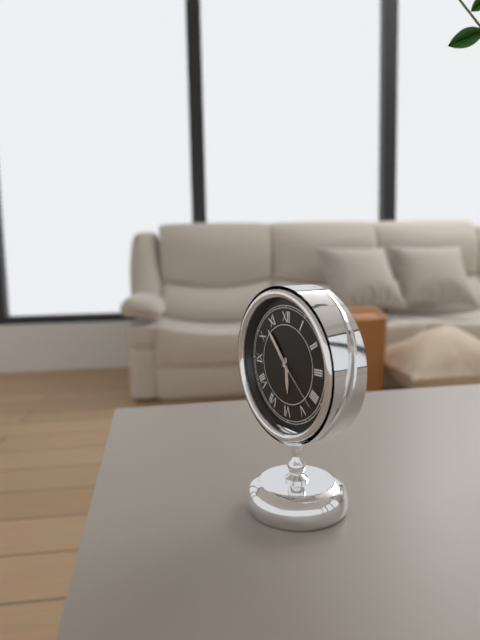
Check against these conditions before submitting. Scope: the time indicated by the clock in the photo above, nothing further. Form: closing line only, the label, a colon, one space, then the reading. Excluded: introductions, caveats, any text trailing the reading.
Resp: 5:53:22
